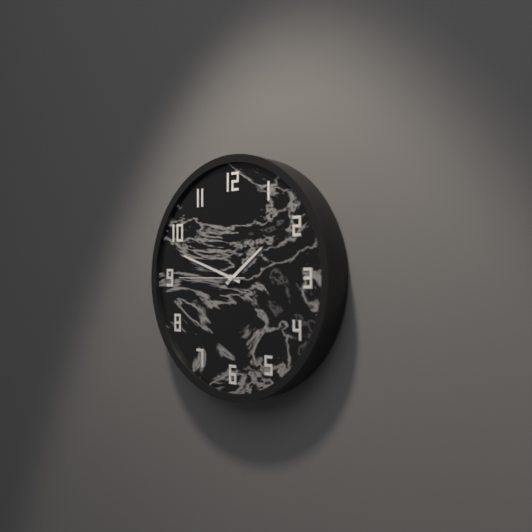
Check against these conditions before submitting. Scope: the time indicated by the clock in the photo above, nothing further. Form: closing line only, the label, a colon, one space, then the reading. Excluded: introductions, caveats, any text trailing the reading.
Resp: 1:48:45
